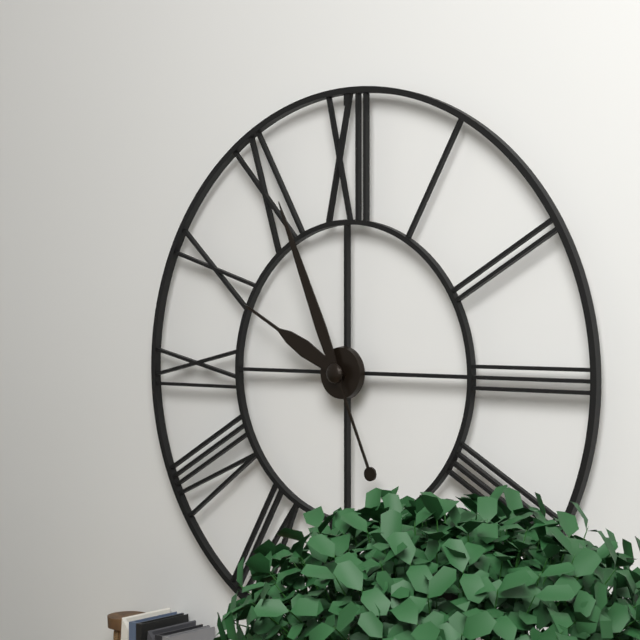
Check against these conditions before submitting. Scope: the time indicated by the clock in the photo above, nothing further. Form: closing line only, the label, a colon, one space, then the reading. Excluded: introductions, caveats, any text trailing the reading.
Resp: 9:56
